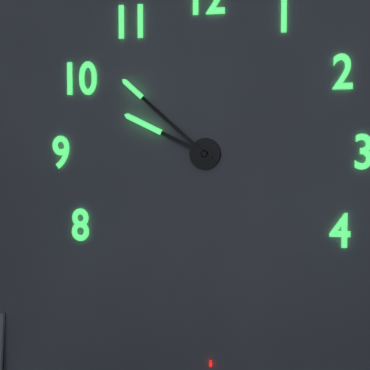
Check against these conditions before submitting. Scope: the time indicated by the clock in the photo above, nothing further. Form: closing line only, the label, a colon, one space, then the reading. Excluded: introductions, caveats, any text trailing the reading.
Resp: 9:52
